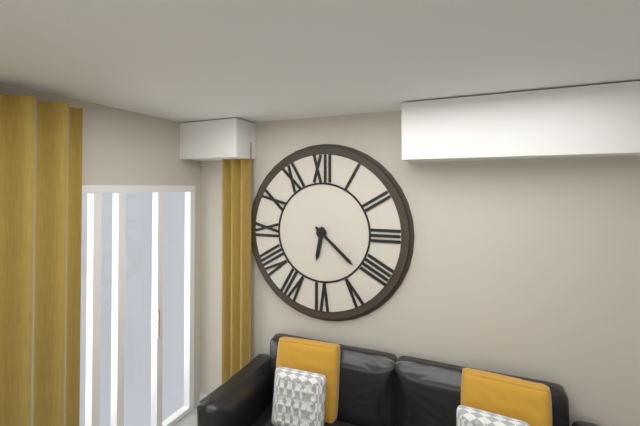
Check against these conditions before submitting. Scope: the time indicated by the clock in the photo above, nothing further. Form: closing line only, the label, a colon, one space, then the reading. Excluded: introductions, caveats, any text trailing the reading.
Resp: 6:22
